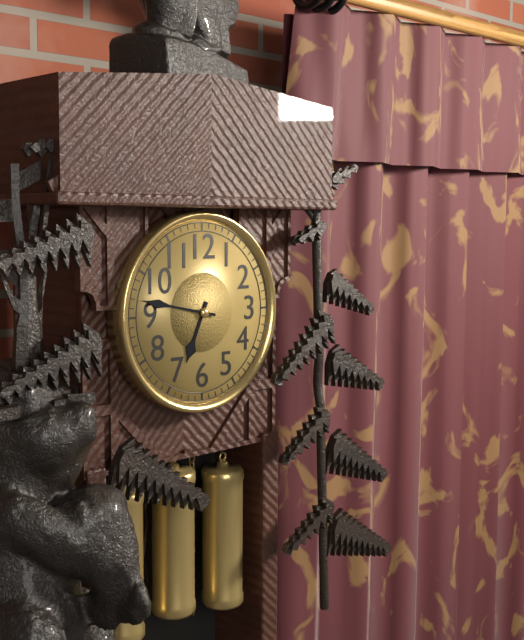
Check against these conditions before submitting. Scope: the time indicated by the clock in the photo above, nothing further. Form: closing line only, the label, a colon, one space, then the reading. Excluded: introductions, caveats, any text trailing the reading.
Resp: 6:47
